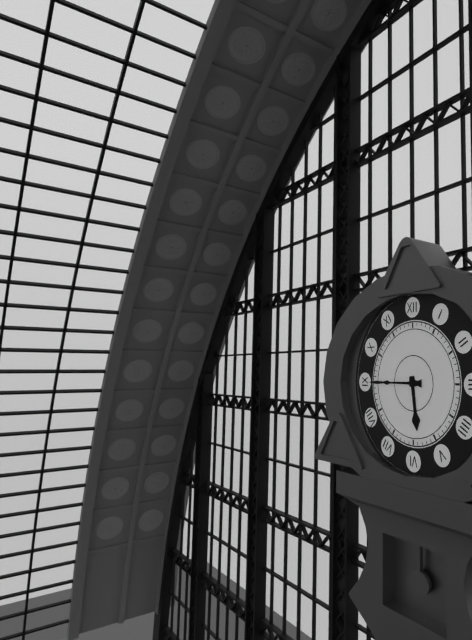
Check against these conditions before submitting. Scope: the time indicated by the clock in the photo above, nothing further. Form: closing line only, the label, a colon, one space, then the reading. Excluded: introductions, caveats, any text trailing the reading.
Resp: 5:45
